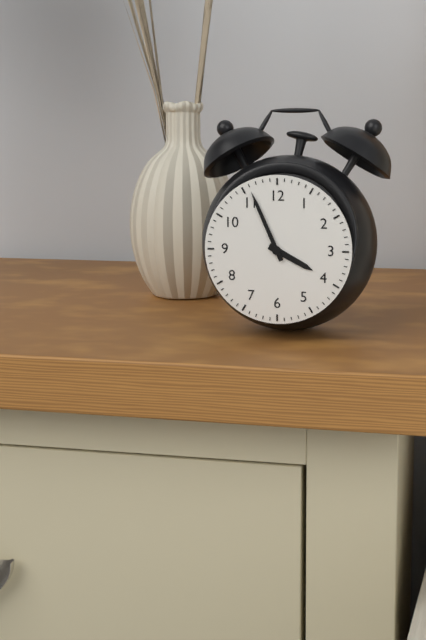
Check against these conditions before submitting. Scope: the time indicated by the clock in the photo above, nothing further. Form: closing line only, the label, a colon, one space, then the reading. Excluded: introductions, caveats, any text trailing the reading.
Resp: 3:56
